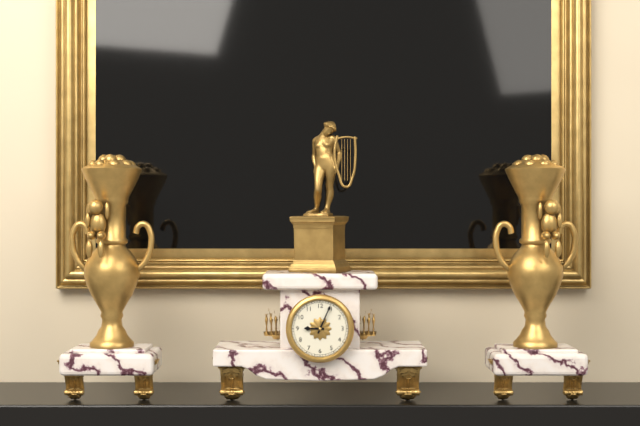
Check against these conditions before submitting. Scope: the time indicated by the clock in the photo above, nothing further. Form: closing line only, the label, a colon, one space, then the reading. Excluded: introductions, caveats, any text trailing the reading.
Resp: 9:04
